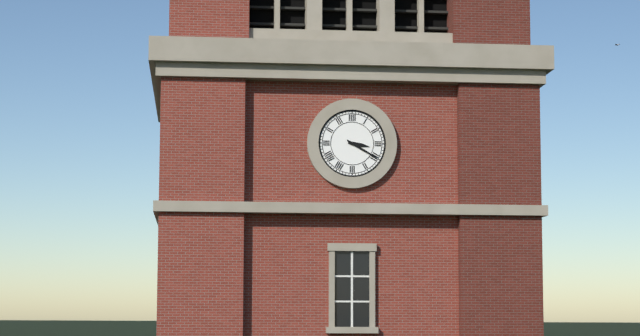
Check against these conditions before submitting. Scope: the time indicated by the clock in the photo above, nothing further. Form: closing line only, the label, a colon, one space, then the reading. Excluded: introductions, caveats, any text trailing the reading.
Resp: 3:20
